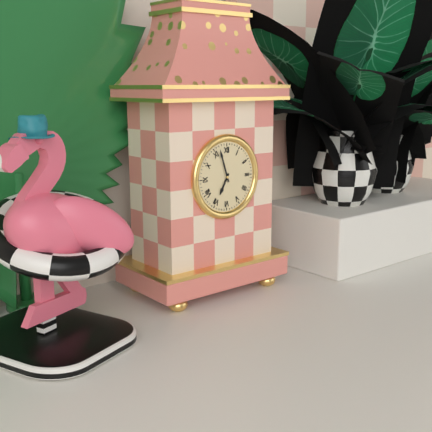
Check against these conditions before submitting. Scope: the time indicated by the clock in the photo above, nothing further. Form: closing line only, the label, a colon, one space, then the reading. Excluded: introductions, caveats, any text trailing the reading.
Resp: 6:57
